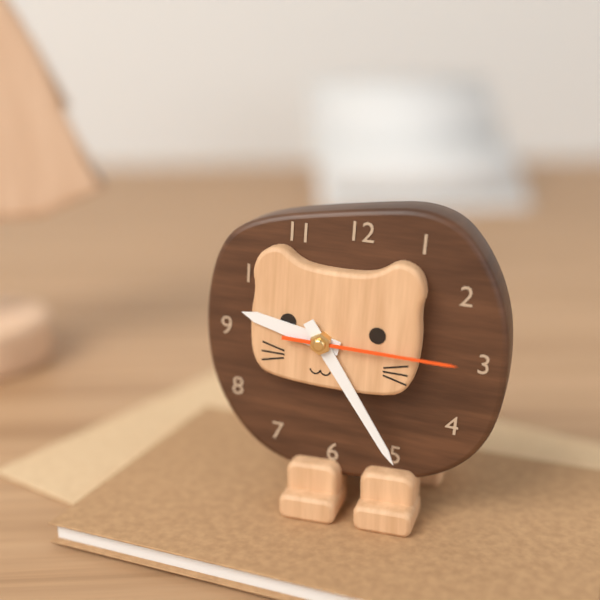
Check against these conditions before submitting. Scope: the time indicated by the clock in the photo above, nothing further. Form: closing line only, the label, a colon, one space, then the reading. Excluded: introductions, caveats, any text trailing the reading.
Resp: 9:24:15
